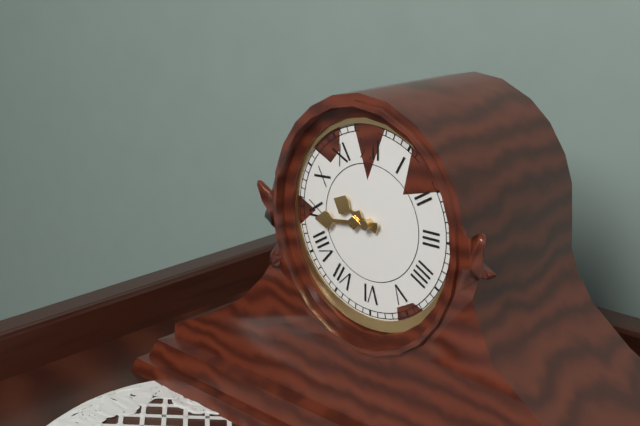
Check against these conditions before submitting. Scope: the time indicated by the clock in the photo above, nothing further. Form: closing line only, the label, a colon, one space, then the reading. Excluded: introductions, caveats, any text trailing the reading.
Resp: 9:44
